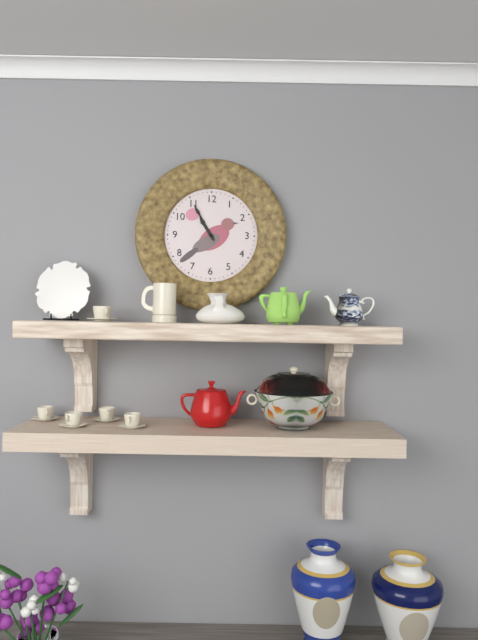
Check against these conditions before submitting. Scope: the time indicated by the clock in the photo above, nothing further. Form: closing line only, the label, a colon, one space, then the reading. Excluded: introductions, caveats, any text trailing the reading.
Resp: 10:55
